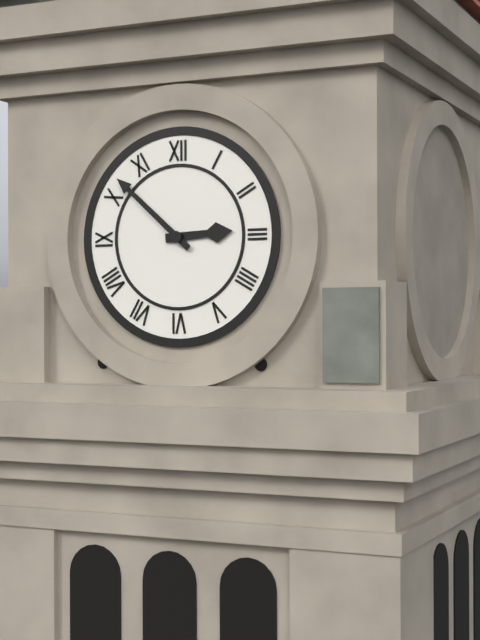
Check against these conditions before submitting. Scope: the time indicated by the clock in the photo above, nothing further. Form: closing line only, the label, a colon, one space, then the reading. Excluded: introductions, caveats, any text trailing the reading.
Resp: 2:52
